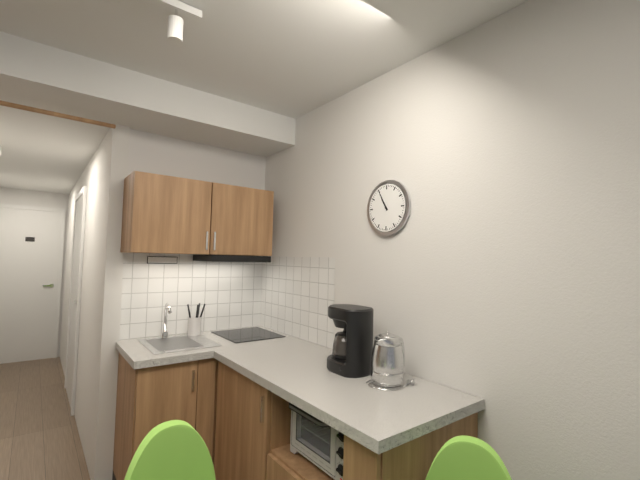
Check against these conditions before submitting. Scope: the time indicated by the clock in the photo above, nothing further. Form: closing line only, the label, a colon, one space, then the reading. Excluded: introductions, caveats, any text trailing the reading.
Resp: 10:55
